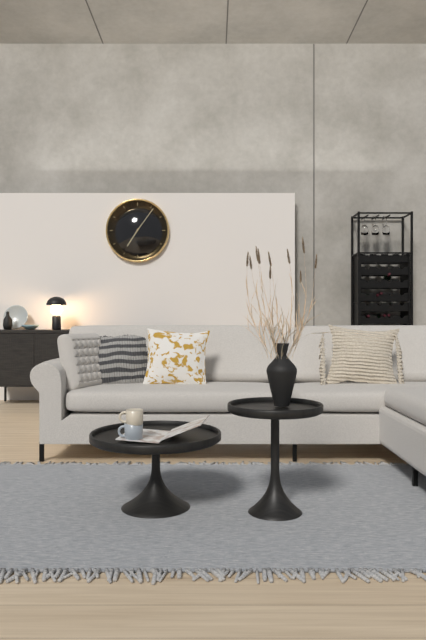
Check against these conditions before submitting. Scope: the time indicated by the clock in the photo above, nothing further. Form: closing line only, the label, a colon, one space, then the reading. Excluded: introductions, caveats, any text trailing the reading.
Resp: 7:06
